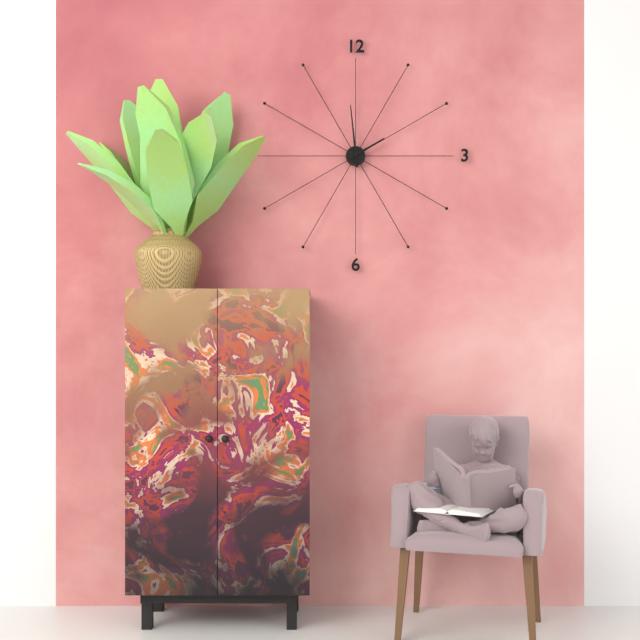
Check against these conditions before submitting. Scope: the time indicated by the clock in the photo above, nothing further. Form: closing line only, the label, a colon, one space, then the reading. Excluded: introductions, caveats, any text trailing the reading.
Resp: 1:59
